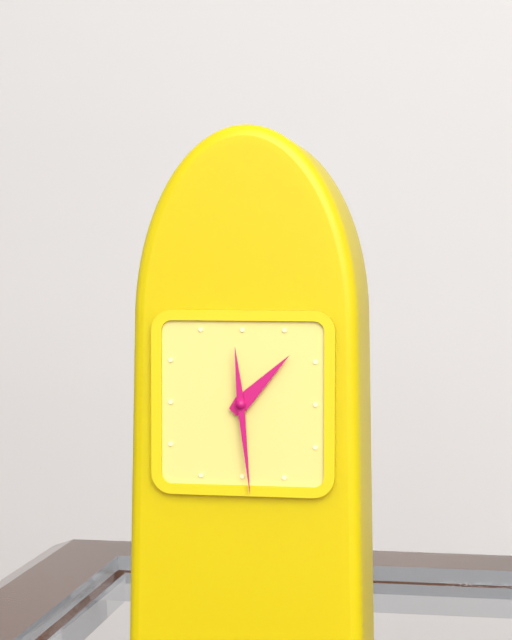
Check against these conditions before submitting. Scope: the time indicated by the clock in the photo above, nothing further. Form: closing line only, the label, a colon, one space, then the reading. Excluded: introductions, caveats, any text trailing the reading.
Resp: 1:29
